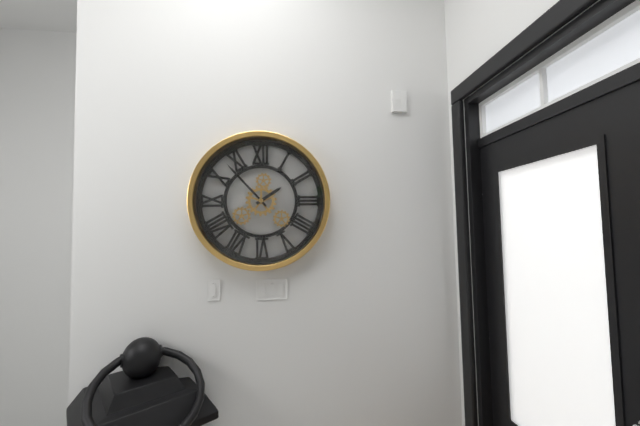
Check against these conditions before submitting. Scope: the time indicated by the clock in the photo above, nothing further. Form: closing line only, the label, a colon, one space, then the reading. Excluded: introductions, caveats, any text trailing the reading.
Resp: 1:53
